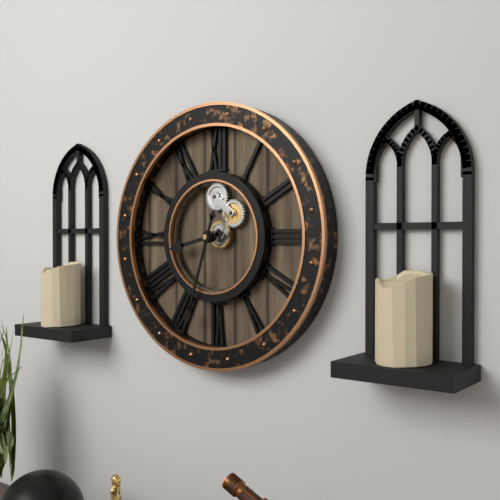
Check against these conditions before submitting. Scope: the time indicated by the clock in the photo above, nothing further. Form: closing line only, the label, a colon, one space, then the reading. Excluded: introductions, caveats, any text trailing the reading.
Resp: 8:33
